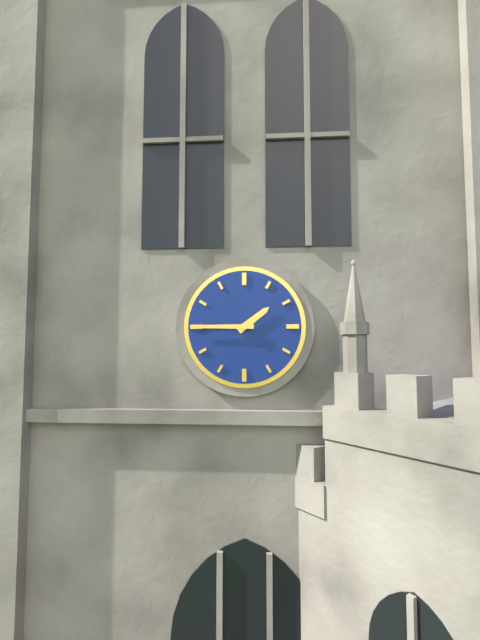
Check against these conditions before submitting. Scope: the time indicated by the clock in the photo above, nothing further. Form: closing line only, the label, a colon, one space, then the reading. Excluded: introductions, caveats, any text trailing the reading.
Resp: 1:45
